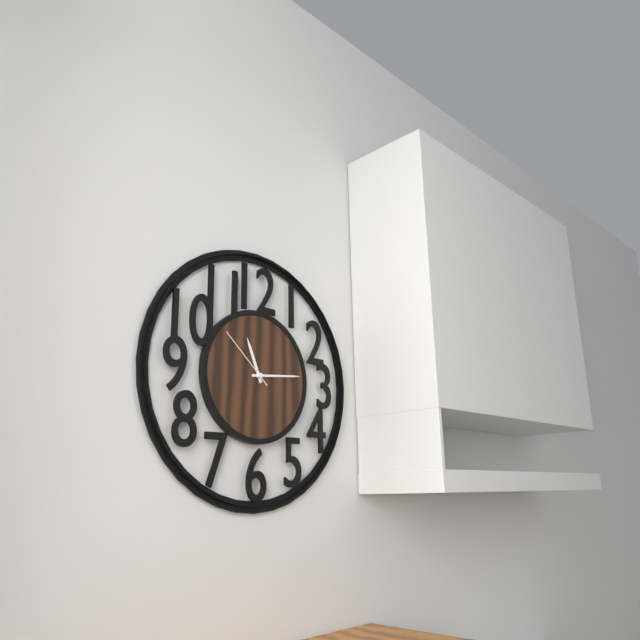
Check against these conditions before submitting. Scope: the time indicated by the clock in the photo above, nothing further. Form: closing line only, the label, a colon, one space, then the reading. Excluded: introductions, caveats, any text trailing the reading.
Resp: 11:14:52
